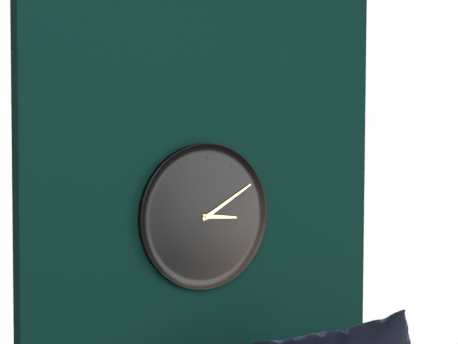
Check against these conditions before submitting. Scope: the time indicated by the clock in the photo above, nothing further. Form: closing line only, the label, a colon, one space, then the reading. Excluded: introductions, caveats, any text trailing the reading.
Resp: 3:10
